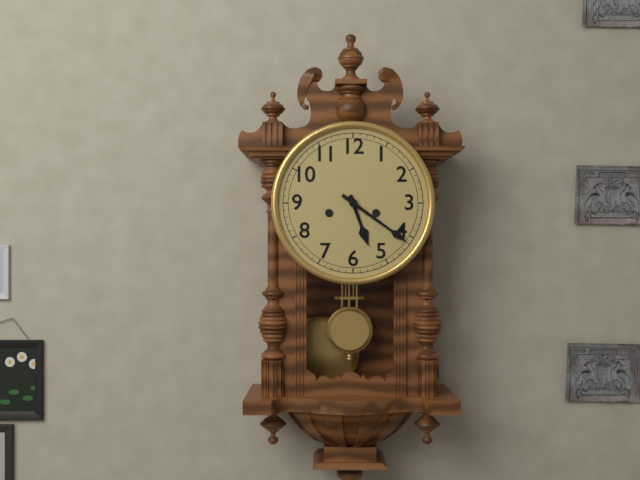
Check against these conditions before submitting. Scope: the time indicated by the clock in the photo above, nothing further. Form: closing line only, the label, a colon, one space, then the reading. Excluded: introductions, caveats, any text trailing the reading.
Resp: 5:21
